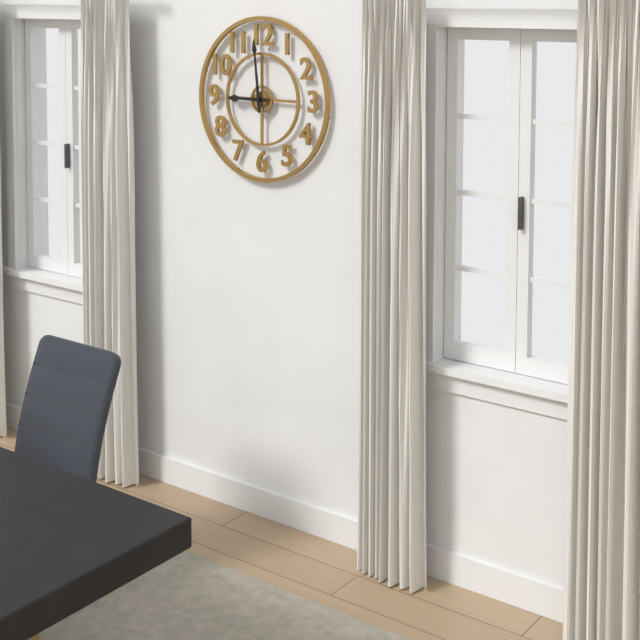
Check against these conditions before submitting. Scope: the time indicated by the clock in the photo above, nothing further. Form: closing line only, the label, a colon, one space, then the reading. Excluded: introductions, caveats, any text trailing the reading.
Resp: 8:59
